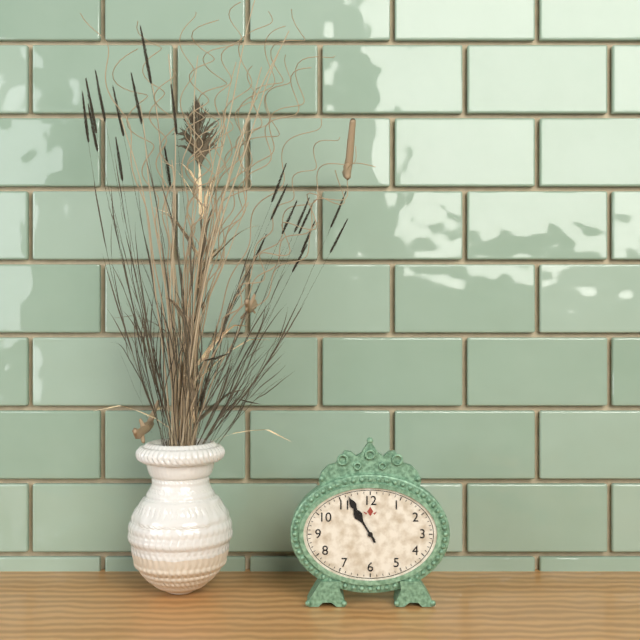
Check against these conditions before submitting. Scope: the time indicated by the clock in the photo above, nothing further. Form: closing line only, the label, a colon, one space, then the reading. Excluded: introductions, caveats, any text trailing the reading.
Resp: 10:55
